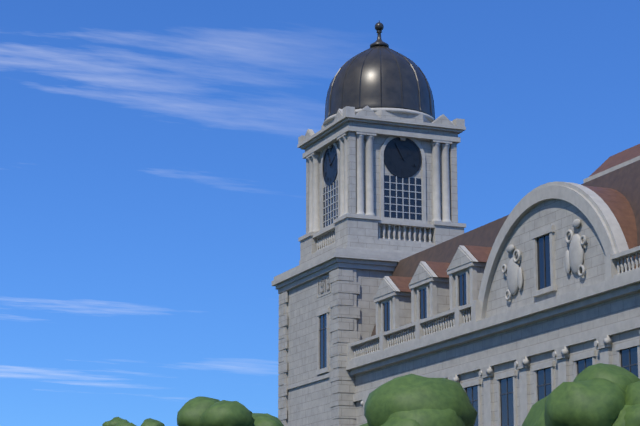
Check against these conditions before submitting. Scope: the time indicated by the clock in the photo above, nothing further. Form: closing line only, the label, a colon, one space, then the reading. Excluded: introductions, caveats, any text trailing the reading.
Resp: 1:55
